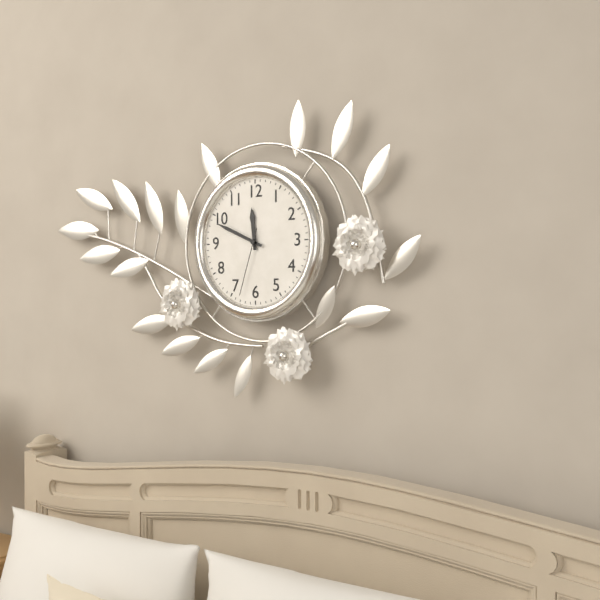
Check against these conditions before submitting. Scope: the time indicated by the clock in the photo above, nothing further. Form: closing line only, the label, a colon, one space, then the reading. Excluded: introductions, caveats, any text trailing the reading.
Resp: 11:49:33
